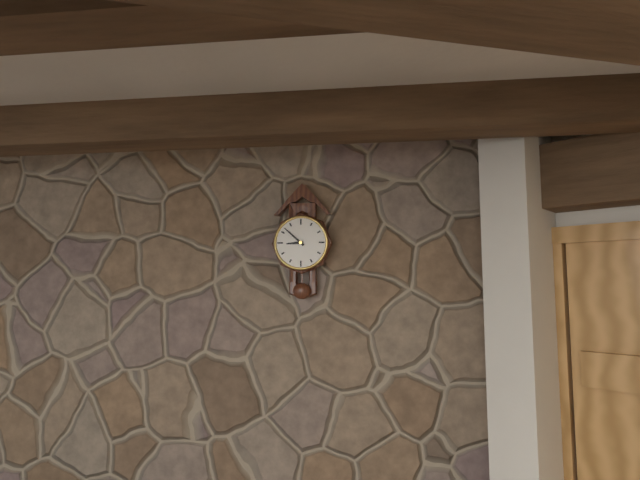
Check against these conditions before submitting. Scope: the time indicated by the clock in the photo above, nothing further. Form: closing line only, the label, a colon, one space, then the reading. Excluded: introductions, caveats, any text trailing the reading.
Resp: 8:52
